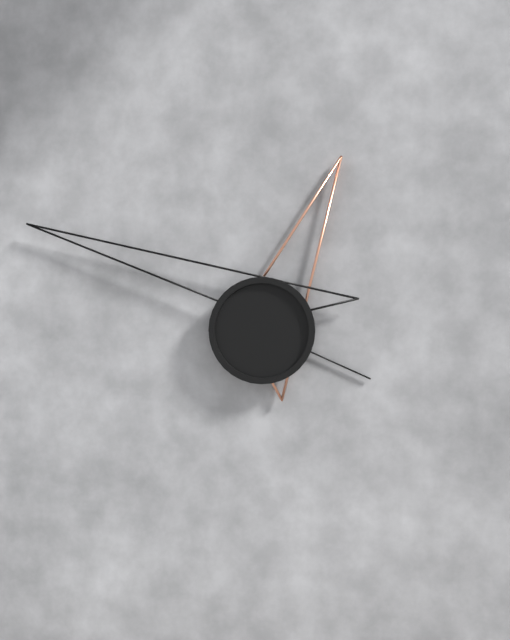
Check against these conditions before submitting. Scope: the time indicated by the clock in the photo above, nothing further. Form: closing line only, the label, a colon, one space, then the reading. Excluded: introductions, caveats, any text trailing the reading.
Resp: 12:49:19
